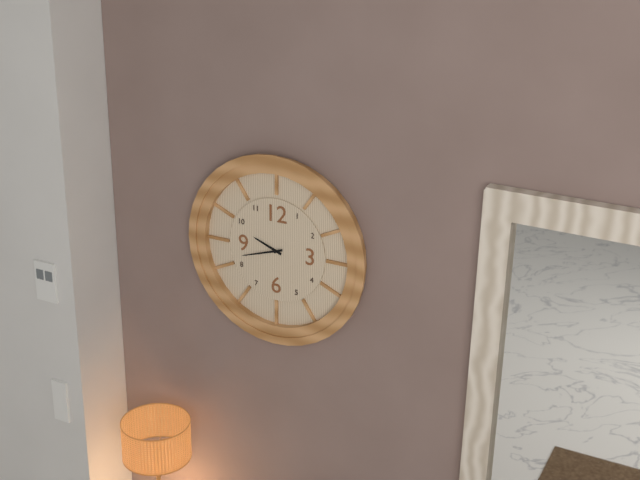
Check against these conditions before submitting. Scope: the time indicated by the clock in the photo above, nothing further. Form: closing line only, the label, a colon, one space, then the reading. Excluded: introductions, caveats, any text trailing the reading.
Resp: 9:42
